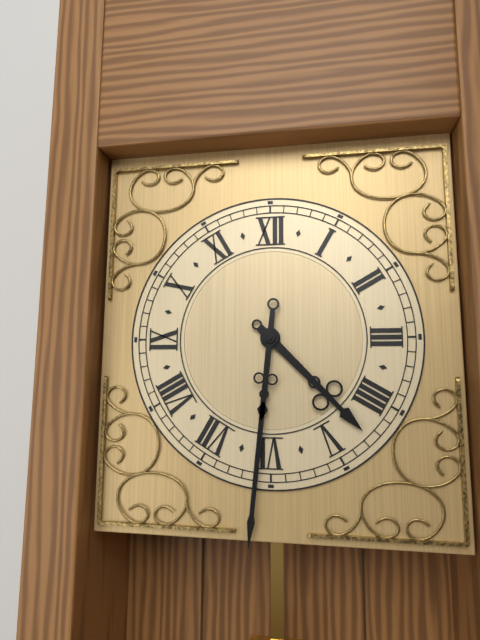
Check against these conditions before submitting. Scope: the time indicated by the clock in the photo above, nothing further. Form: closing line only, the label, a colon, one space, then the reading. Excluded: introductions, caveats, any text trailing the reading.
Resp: 4:31
